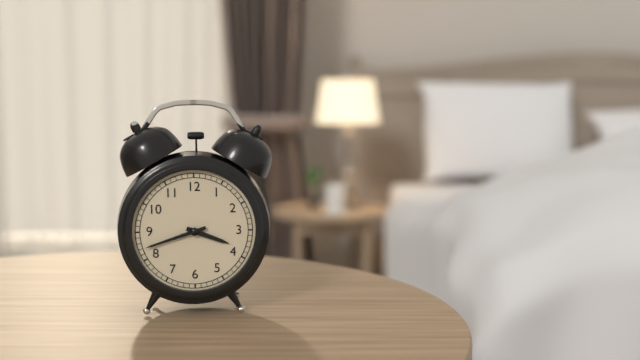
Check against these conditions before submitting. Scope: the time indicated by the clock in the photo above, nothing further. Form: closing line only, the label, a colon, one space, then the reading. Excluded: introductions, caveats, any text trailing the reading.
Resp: 3:42
